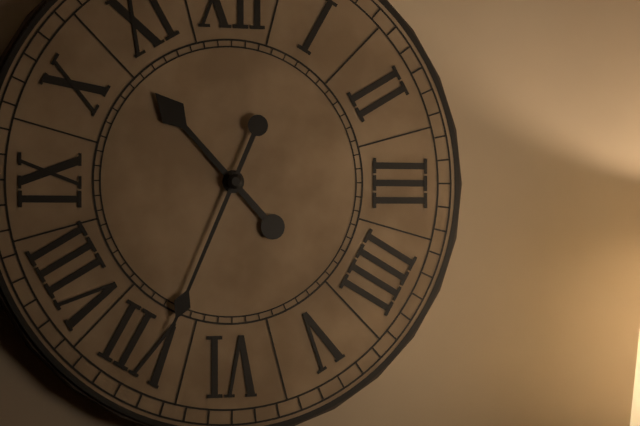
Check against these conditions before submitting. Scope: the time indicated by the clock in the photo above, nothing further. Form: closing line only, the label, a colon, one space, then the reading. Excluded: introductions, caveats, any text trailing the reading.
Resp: 10:34
